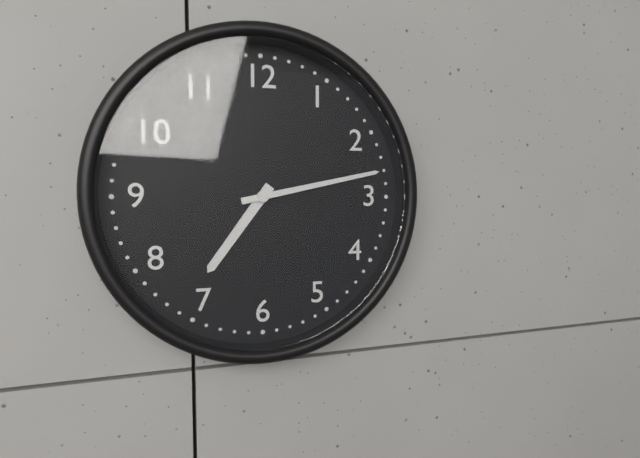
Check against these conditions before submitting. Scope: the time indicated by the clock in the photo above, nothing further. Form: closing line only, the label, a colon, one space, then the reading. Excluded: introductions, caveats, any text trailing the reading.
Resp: 7:13
